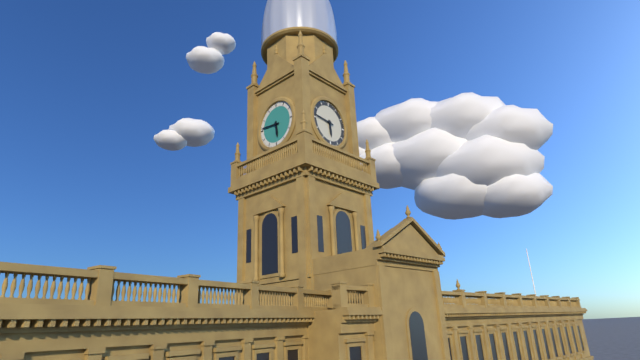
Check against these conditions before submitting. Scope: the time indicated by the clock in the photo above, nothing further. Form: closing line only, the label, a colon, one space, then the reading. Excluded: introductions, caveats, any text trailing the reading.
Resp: 5:46
